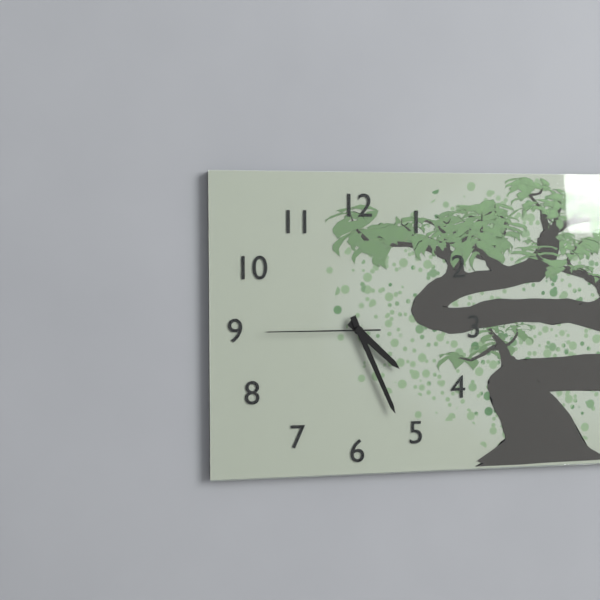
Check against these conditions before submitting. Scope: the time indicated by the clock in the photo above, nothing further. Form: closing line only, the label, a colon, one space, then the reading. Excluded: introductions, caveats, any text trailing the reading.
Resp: 4:26:45
